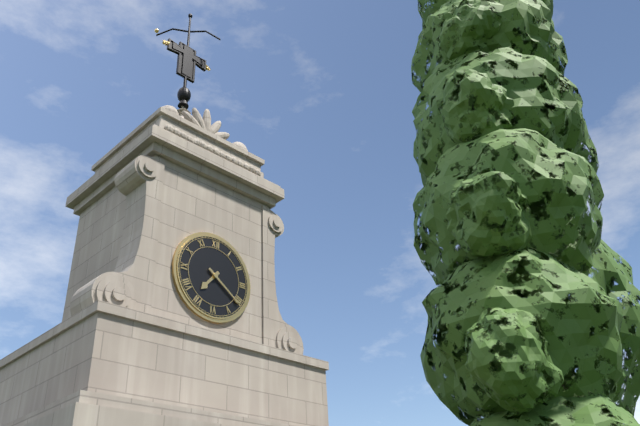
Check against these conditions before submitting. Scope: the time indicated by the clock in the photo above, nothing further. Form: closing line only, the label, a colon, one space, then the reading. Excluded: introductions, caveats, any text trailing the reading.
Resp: 7:21
